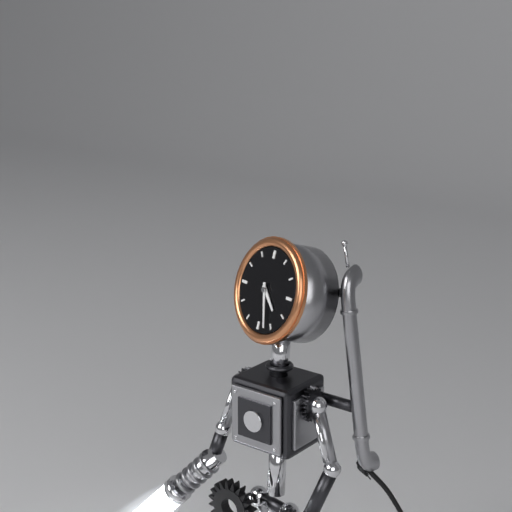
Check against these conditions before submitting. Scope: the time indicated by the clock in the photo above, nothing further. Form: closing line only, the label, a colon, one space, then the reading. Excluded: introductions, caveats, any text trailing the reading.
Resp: 4:27
